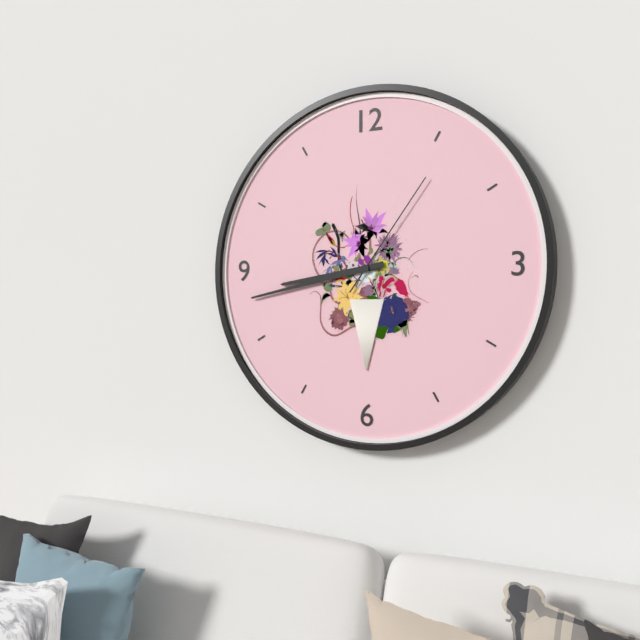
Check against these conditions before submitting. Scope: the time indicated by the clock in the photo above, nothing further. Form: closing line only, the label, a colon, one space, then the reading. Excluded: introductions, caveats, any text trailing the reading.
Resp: 8:43:06
